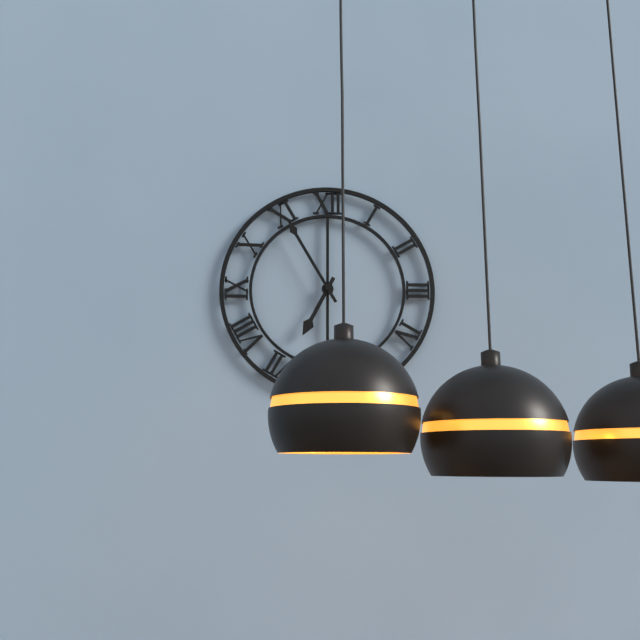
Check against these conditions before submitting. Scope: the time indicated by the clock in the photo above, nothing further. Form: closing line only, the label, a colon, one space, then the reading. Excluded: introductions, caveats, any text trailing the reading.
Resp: 6:55
